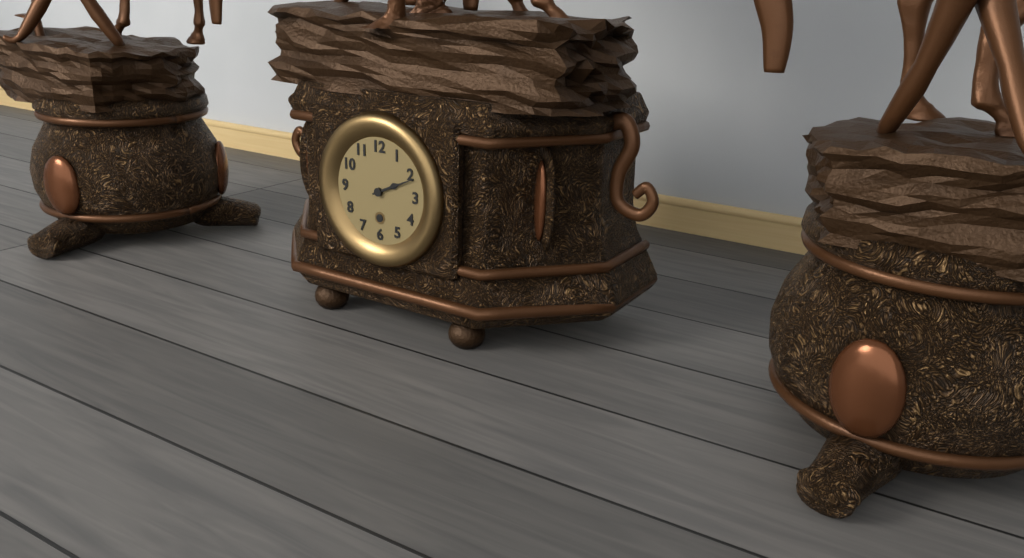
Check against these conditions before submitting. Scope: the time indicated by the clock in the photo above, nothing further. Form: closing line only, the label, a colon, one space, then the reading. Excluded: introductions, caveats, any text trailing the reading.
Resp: 2:11
